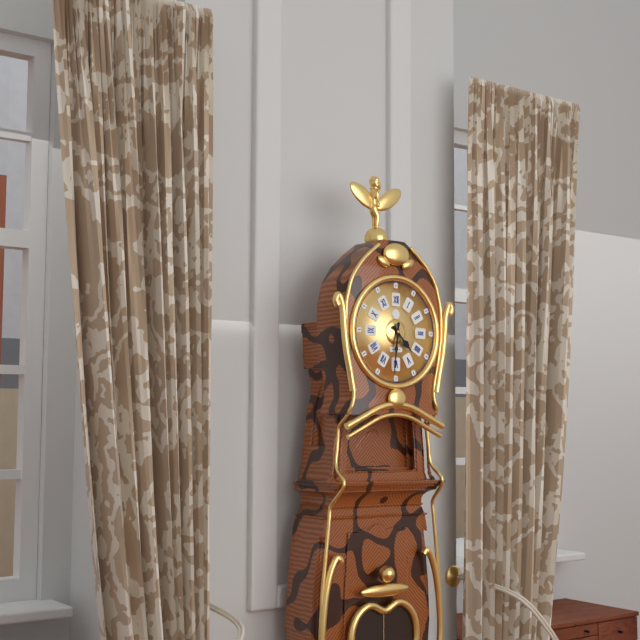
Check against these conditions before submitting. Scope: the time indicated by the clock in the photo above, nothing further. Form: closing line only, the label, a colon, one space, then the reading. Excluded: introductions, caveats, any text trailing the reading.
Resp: 4:31
